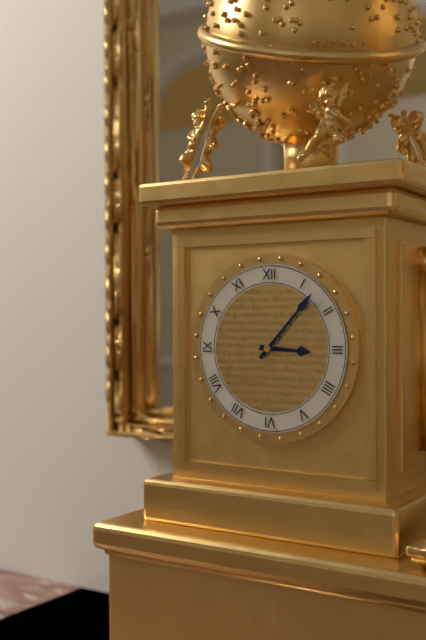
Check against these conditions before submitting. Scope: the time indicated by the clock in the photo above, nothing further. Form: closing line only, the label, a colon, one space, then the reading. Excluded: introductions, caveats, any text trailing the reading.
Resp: 3:07
